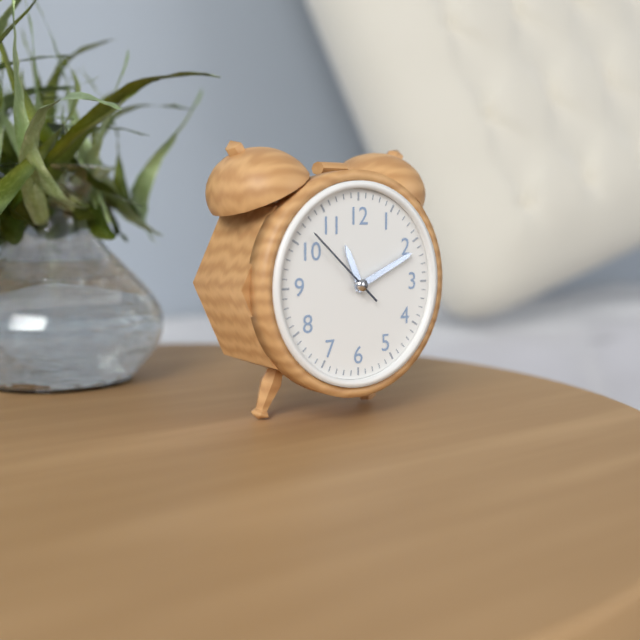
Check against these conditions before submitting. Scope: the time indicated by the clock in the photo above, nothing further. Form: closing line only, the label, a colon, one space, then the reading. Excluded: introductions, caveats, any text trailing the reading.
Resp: 11:11:52
